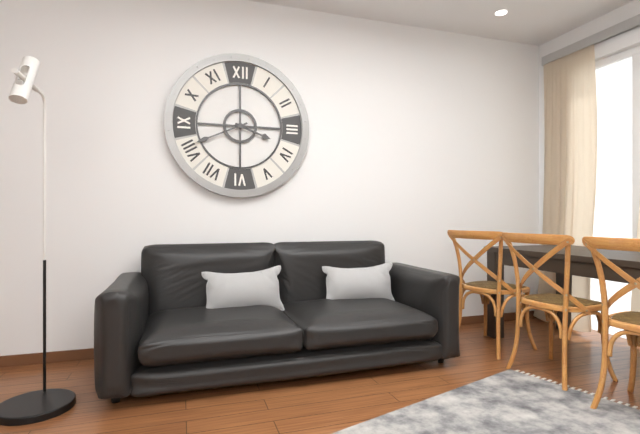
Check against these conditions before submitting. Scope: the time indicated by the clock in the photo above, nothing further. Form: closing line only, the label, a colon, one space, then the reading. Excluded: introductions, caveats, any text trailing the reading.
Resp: 3:41
